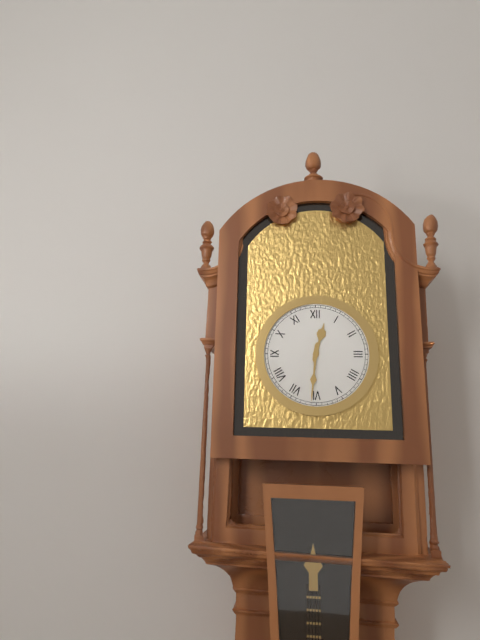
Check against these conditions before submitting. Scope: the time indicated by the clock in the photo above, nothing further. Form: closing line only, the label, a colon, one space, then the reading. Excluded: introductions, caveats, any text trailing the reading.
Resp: 12:31
